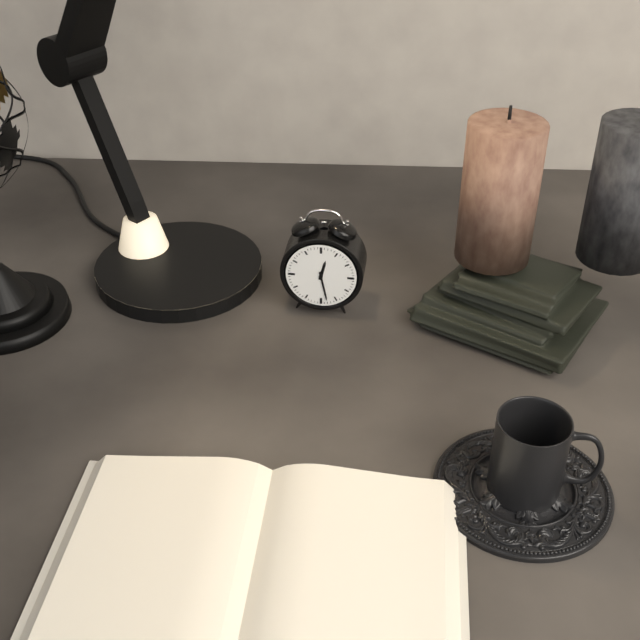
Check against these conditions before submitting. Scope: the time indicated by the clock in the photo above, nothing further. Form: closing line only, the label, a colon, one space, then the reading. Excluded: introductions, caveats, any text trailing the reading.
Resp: 12:28
